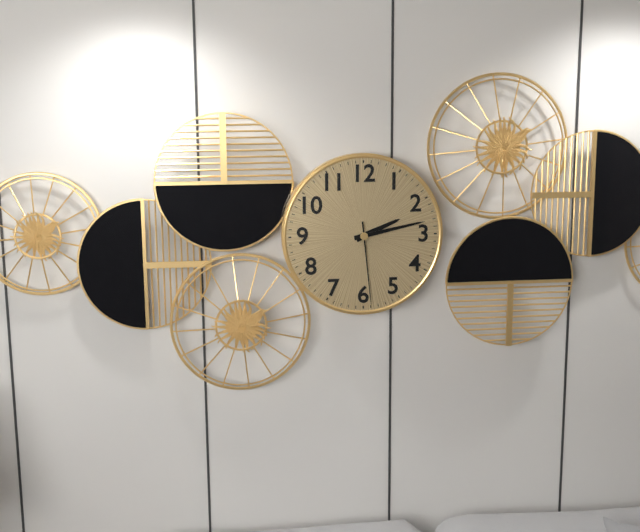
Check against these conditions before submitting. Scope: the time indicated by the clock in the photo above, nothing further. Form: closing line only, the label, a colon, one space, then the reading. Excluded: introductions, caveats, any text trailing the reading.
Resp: 2:13:29
